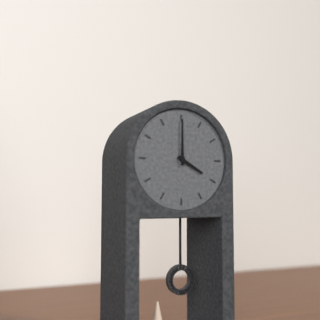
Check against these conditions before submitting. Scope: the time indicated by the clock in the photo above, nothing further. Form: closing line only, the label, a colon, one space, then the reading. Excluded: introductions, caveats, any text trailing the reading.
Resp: 4:00
